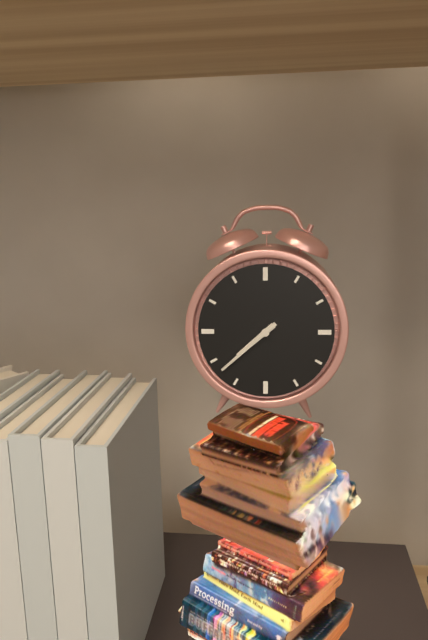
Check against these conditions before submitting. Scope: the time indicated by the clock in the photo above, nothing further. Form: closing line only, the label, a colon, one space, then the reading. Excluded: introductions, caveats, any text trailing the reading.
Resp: 7:38
